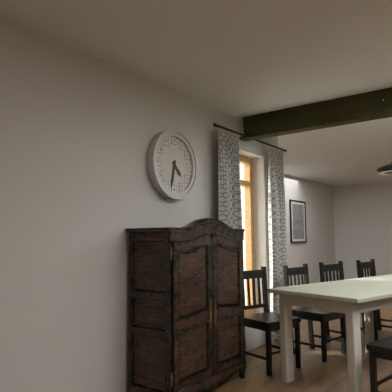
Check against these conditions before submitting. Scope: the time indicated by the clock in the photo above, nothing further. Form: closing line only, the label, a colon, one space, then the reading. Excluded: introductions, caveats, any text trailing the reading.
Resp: 4:32
